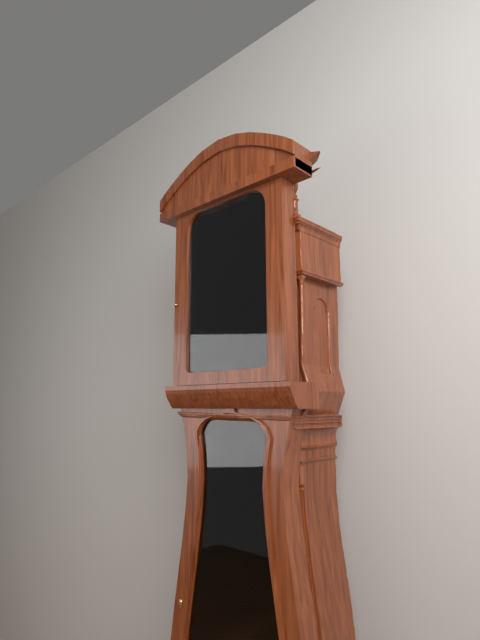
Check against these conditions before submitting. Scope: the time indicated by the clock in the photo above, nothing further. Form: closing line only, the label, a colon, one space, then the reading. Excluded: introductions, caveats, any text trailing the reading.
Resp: 6:26
